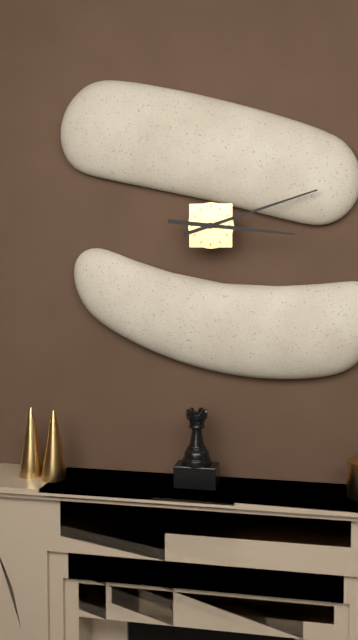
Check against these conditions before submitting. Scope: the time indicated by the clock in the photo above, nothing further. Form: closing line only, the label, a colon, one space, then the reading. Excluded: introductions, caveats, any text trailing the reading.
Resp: 3:12
